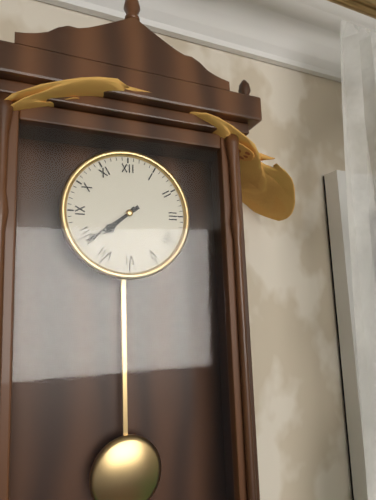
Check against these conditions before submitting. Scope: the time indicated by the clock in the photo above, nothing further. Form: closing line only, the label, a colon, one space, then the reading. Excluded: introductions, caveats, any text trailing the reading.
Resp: 7:39
